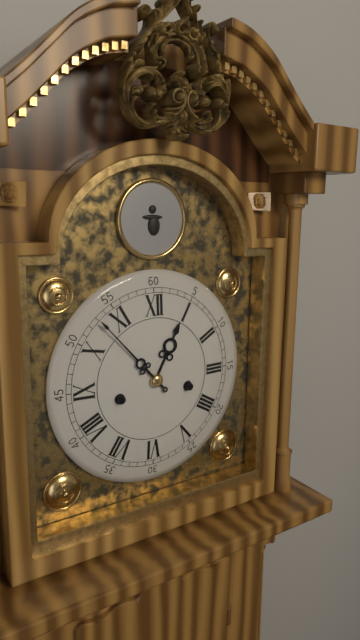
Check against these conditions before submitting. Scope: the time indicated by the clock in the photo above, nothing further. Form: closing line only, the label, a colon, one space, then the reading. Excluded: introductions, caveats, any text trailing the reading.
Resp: 12:53
